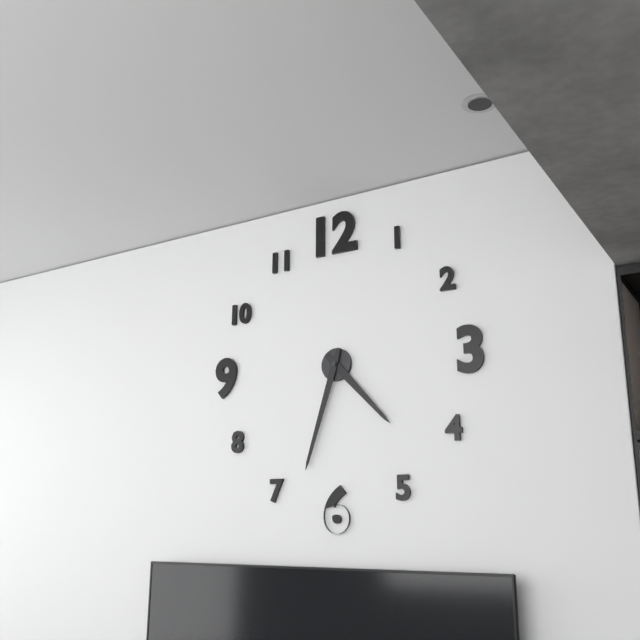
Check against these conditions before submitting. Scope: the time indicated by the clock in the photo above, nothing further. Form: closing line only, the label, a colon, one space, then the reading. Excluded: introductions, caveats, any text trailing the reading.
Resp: 4:33
